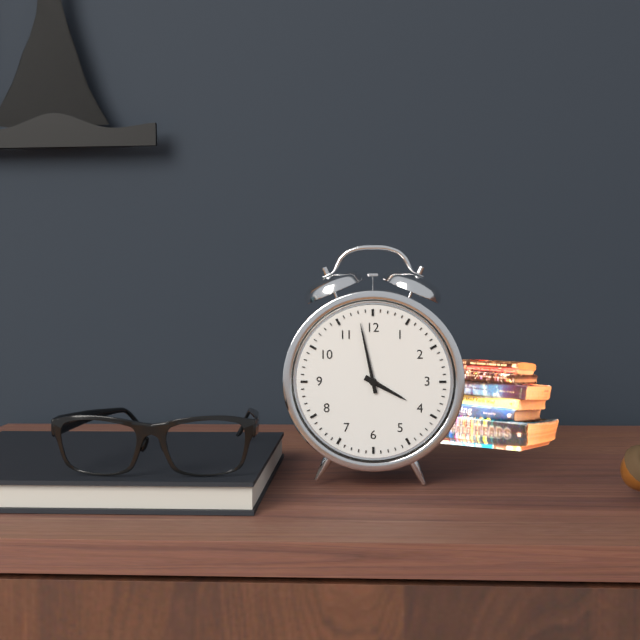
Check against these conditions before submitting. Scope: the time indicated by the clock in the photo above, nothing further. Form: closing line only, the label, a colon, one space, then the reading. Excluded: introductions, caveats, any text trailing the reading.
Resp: 3:58
